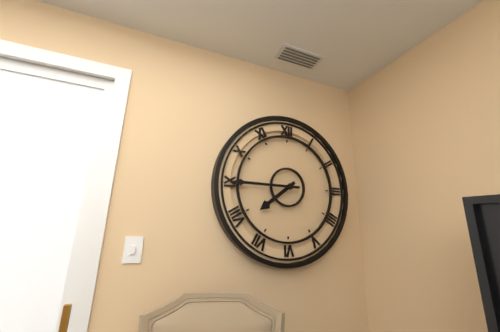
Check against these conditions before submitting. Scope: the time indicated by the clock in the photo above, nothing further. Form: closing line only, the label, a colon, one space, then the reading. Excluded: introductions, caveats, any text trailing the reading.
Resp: 7:45
